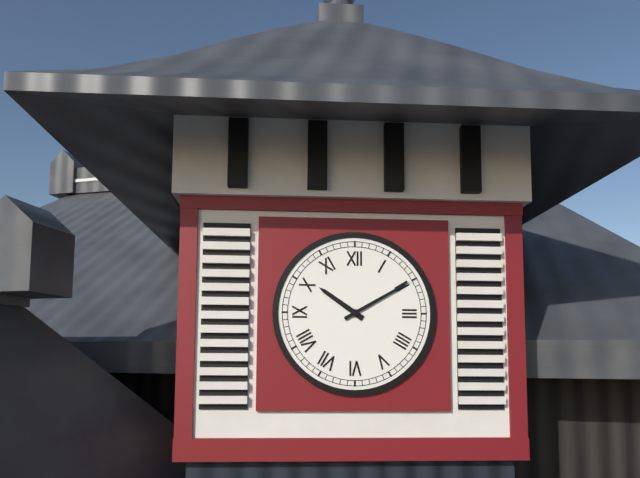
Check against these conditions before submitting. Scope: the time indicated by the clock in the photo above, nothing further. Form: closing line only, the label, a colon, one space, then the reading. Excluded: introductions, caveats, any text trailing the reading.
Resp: 10:10
